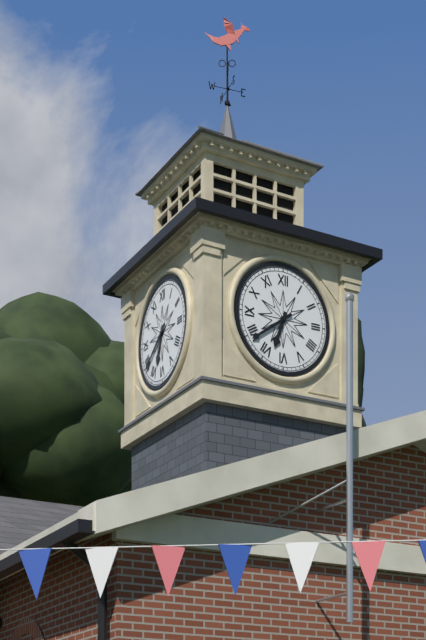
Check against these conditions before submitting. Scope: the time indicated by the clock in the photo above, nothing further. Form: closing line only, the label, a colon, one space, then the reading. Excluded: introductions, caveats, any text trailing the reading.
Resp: 6:39
